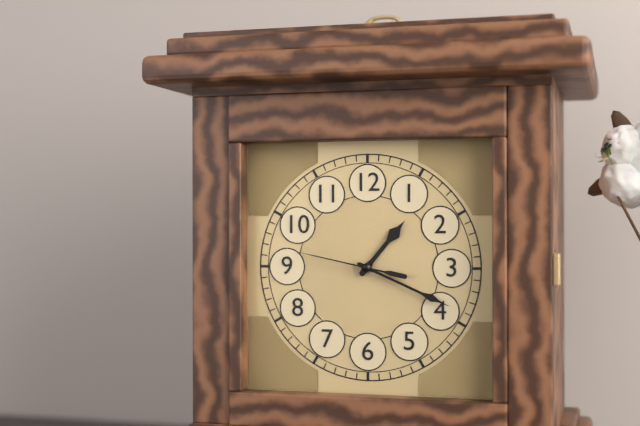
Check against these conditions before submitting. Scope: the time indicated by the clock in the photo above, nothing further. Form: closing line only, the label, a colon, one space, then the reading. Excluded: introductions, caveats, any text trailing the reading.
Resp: 1:19:47
